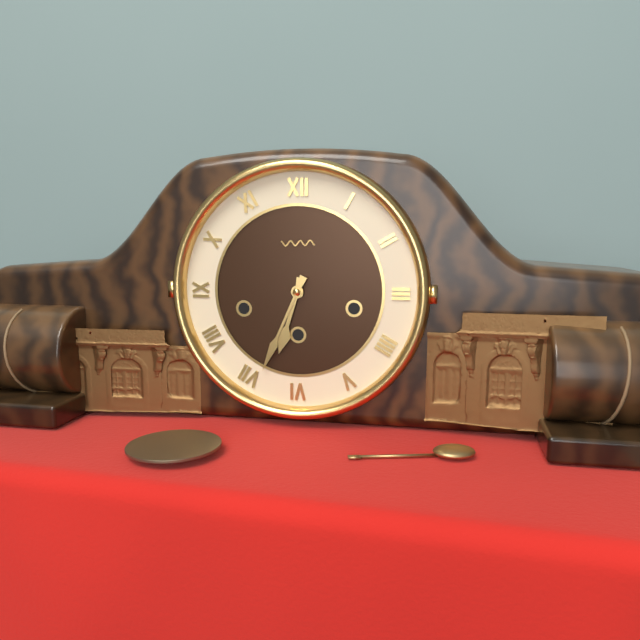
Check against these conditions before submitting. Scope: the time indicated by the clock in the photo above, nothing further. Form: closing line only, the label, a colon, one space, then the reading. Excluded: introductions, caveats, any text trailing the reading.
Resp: 6:34
